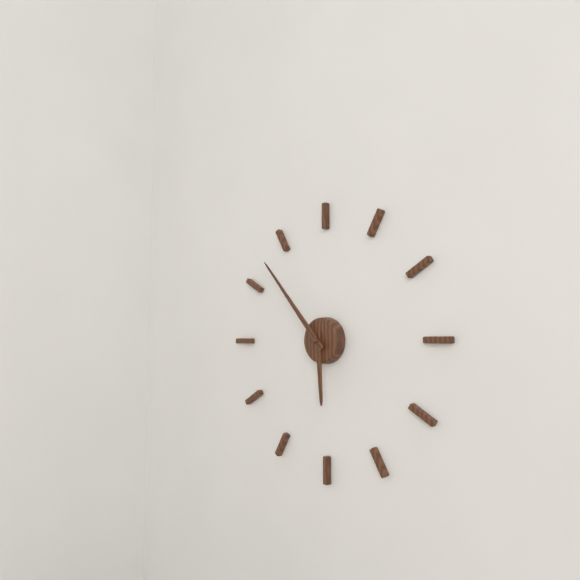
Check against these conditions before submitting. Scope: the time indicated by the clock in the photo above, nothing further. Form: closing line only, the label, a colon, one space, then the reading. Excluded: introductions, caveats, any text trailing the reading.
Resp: 5:53
